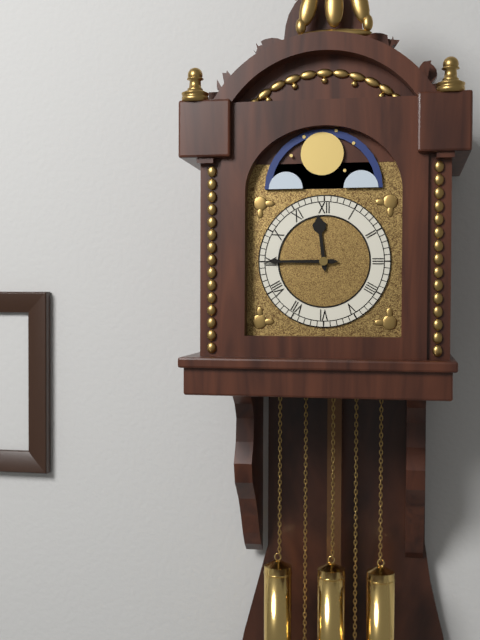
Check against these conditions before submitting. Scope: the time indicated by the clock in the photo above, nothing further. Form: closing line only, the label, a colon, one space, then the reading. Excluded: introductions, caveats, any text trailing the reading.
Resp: 11:45
